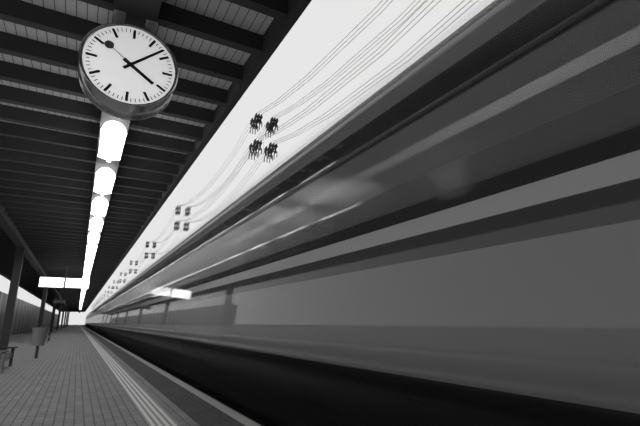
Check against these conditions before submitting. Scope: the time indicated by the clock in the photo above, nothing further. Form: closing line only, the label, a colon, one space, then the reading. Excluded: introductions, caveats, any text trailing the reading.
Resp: 4:08
